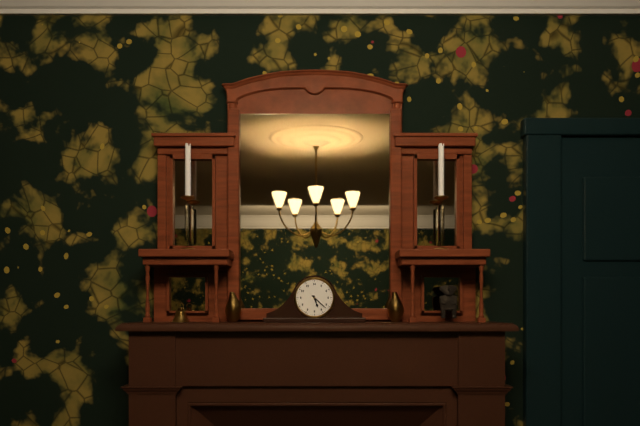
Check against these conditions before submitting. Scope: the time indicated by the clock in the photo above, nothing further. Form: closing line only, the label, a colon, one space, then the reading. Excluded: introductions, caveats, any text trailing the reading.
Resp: 5:22
